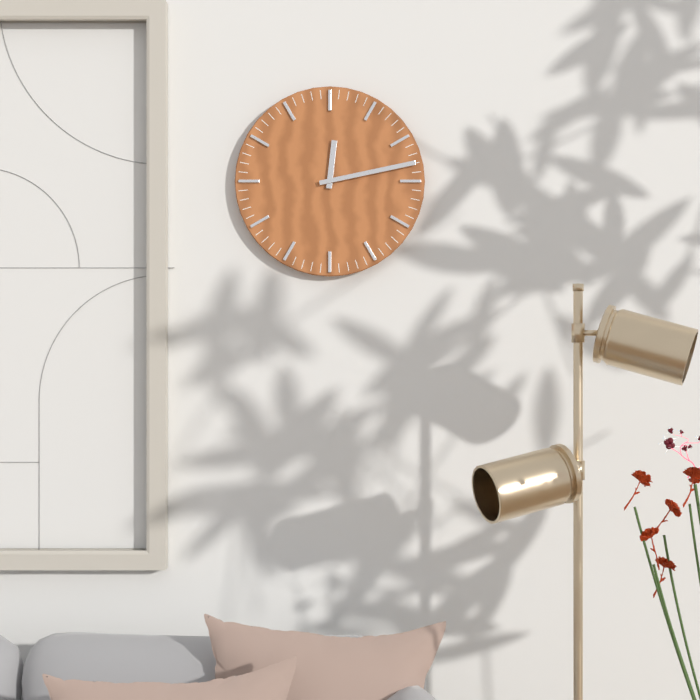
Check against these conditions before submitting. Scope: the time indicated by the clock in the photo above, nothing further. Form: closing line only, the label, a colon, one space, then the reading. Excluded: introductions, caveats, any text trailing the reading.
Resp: 12:13
